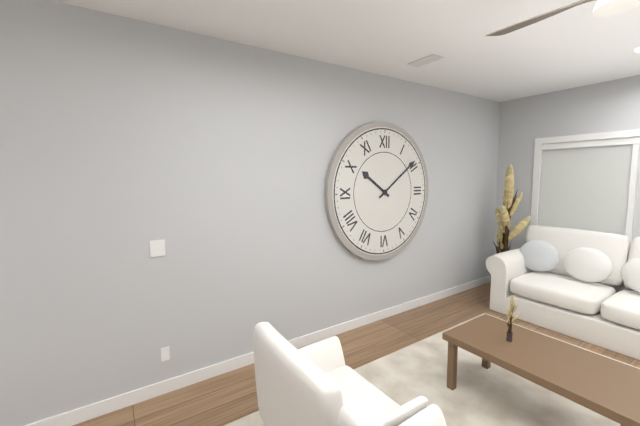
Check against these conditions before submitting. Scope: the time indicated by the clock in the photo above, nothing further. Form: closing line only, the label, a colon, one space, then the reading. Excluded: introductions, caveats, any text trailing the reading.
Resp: 10:09
